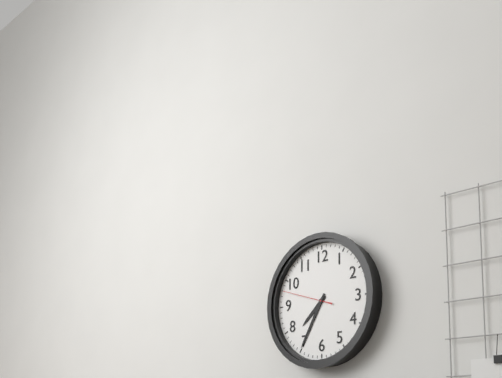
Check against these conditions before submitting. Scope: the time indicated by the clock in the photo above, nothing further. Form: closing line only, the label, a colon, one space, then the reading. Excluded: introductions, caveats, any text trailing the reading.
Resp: 7:35:48
